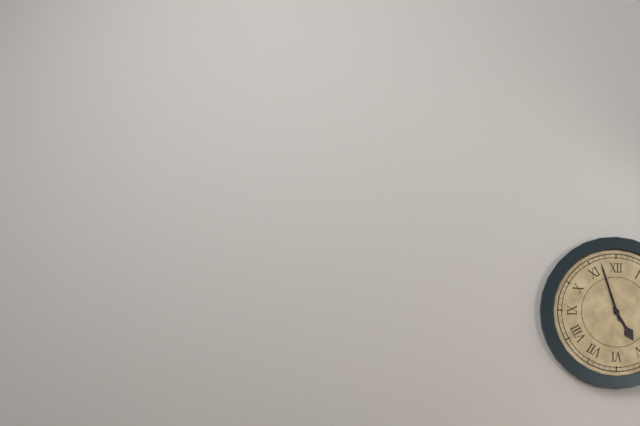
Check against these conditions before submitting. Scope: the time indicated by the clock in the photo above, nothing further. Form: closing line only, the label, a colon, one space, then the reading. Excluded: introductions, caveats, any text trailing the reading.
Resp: 4:57
